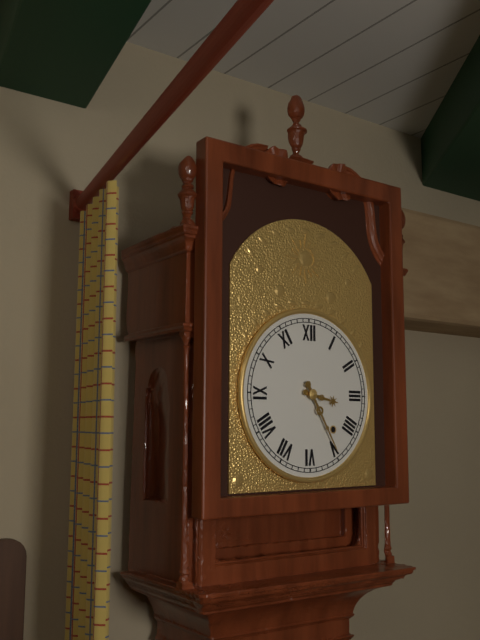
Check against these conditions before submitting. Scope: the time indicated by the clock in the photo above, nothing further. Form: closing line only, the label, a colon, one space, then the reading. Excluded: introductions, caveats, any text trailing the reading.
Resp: 3:25
